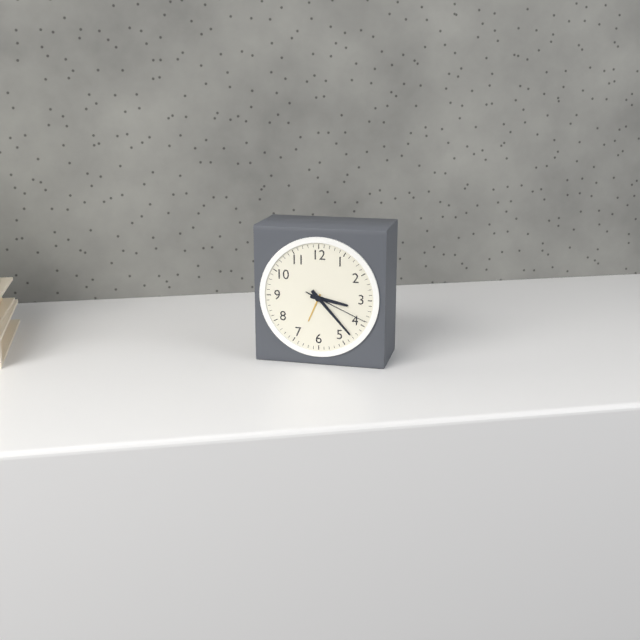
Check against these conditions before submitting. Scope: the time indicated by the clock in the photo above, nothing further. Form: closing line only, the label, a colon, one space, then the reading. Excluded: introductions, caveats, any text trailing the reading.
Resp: 3:23:19
